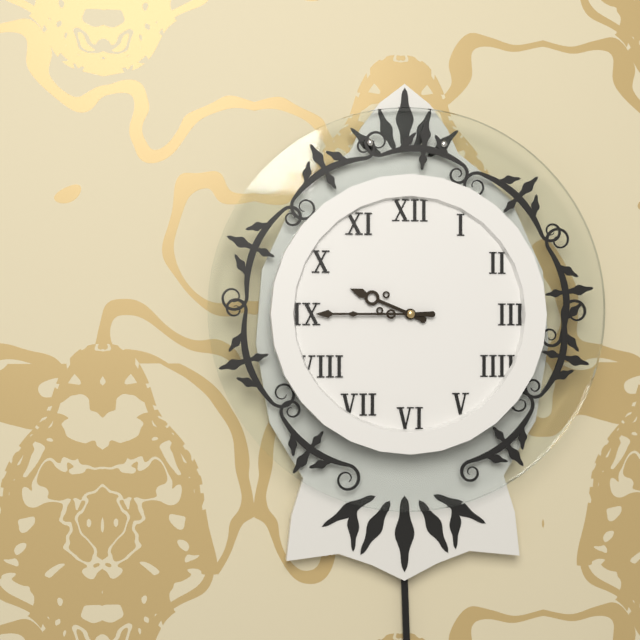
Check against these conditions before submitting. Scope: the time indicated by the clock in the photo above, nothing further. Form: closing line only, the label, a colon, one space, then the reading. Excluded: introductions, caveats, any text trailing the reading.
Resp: 9:45
